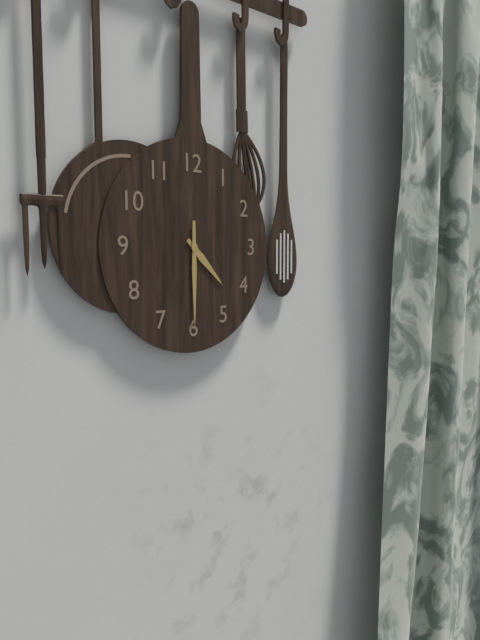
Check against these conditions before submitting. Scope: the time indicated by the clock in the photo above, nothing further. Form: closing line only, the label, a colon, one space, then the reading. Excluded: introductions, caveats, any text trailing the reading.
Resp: 4:30
